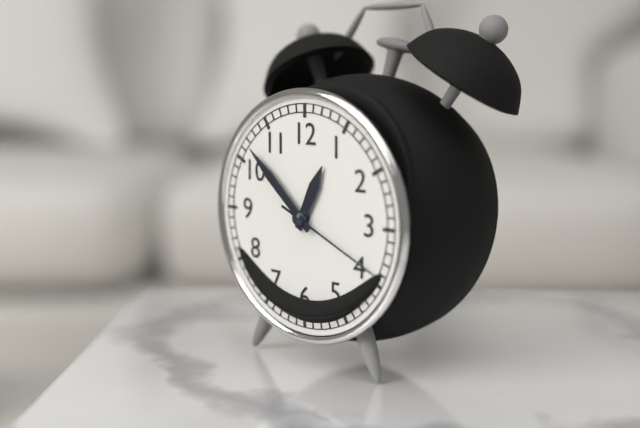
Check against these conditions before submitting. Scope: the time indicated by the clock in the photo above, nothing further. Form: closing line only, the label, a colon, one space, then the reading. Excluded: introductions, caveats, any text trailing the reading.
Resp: 12:52:19
